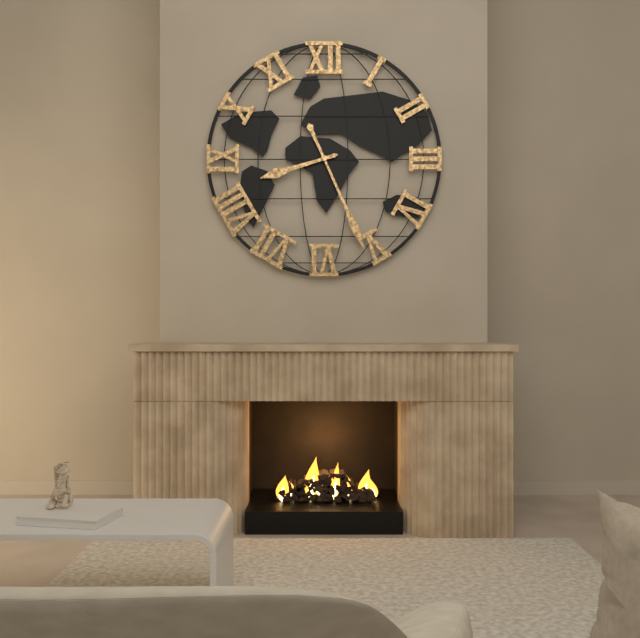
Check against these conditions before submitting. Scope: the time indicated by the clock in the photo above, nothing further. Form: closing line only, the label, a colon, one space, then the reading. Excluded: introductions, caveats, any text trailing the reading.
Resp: 8:26
